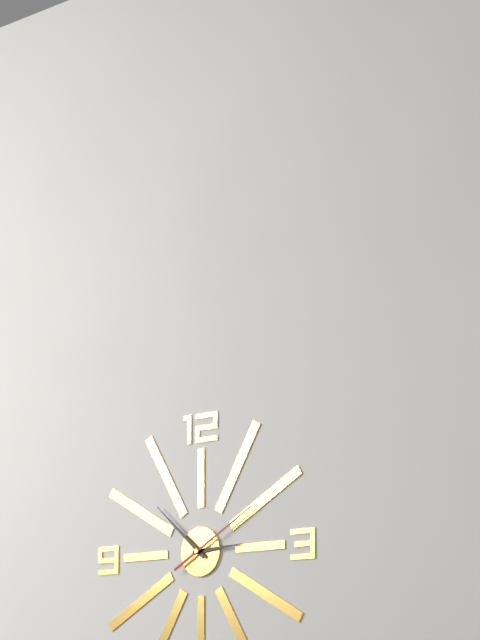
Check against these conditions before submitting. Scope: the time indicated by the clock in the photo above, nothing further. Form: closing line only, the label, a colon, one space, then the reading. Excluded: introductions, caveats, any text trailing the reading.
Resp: 2:52:10
